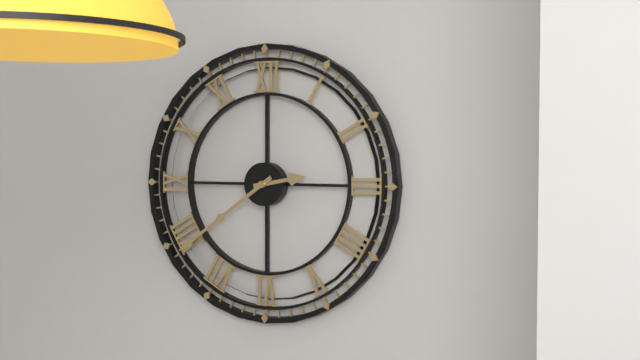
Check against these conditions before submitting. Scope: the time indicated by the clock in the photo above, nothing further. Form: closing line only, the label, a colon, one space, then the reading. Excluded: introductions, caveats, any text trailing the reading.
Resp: 2:39
